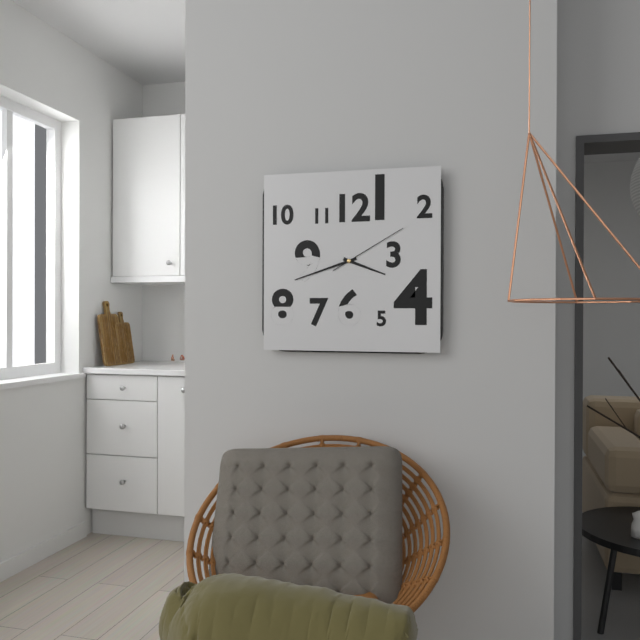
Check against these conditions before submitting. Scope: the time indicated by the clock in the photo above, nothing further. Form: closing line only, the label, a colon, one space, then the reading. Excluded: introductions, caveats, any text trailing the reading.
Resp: 3:42:10
